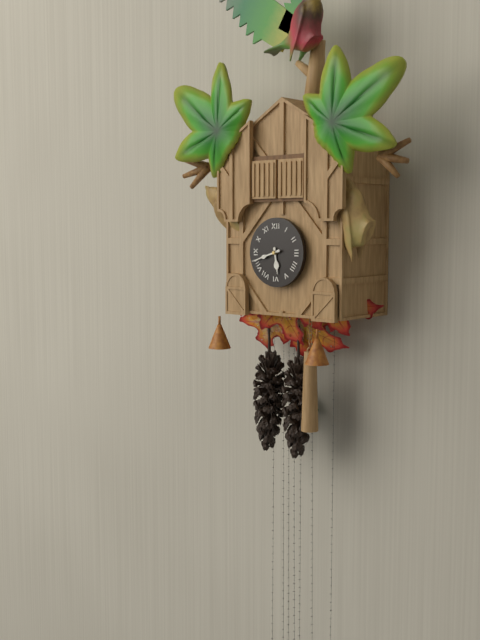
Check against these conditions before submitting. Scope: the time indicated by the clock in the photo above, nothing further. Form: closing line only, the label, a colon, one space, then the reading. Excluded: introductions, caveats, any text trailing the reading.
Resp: 5:42
